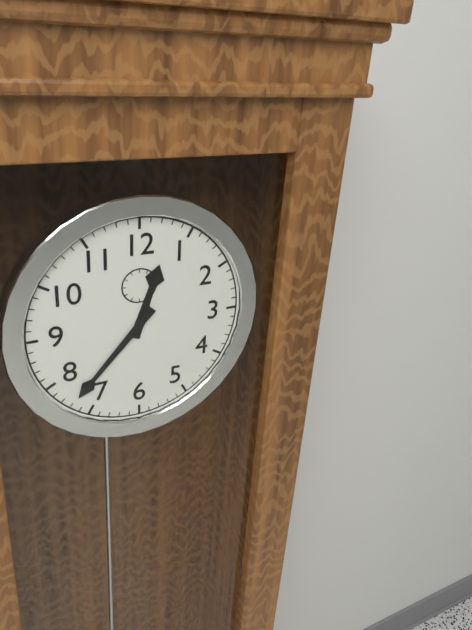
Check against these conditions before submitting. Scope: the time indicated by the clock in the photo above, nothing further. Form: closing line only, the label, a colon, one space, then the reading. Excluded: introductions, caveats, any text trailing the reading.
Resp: 12:37
